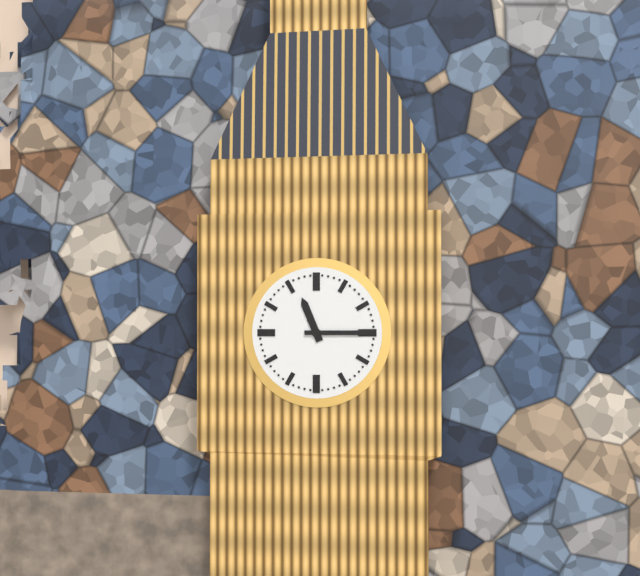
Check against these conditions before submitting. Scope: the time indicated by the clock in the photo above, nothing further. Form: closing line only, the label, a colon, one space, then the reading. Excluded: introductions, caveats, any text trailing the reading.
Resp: 11:15
